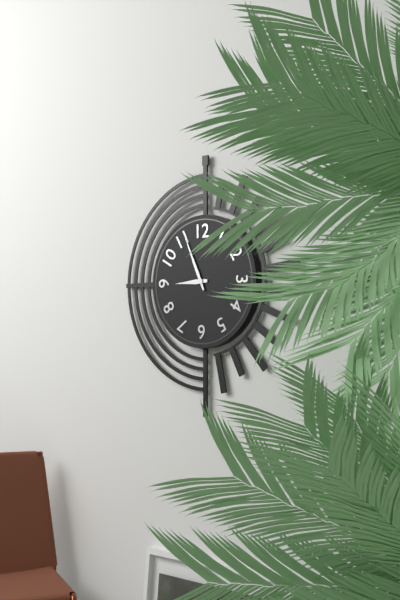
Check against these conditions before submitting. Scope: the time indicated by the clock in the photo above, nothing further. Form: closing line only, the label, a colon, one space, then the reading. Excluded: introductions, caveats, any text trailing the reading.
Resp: 8:56
